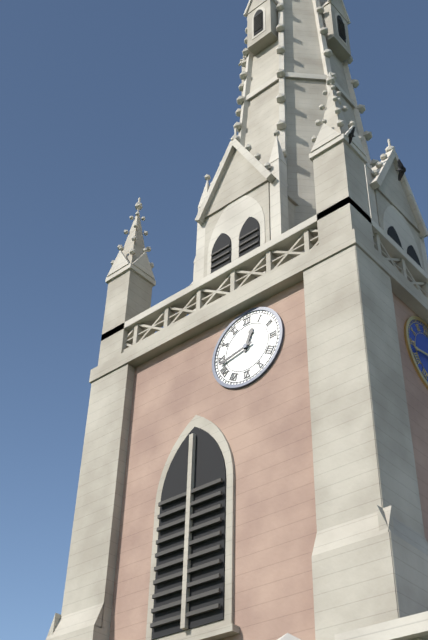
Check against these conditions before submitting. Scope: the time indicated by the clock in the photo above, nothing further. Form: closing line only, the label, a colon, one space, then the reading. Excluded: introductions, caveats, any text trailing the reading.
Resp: 12:43
